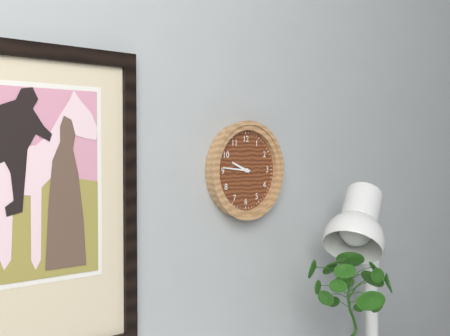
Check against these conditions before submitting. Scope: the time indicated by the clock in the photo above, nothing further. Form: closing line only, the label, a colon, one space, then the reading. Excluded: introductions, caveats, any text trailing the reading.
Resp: 9:46
